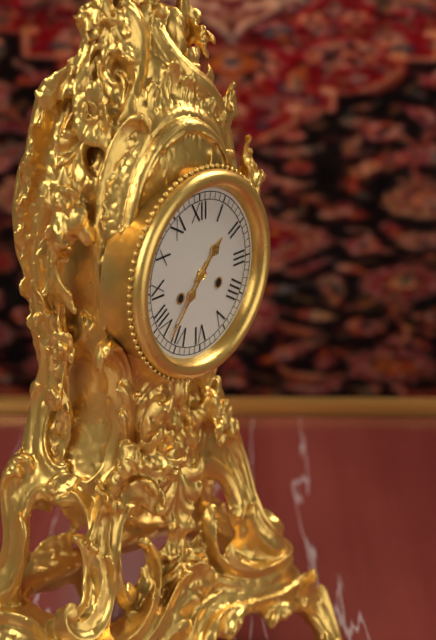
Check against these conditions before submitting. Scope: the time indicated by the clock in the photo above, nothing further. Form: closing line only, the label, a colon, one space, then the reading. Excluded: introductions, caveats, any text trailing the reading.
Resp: 1:37
